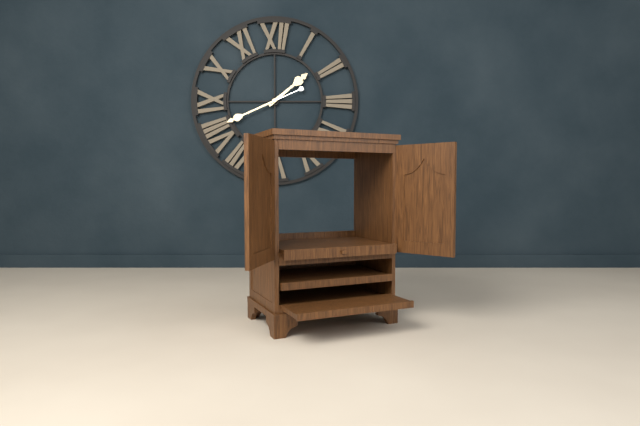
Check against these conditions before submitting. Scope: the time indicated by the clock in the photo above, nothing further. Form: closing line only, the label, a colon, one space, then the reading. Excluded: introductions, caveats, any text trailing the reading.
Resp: 1:41
